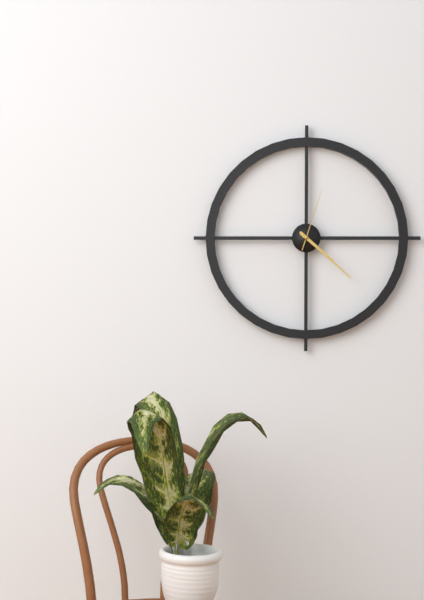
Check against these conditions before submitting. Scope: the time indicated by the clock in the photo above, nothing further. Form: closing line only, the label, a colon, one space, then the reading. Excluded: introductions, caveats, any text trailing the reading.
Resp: 4:22:03
